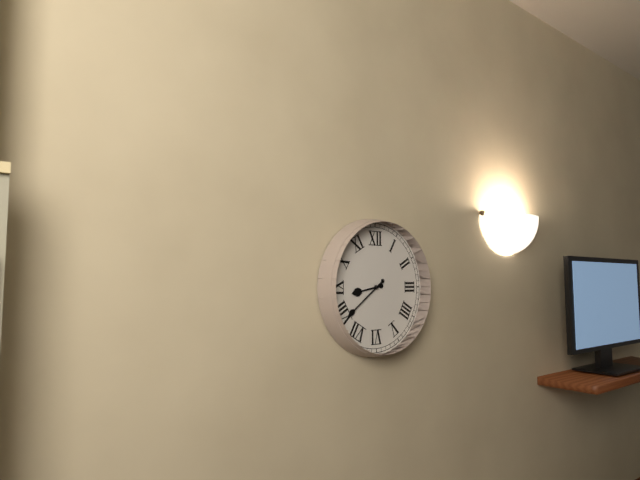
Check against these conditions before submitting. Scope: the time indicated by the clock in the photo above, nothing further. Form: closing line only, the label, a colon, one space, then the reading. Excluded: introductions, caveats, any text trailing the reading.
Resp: 8:39
